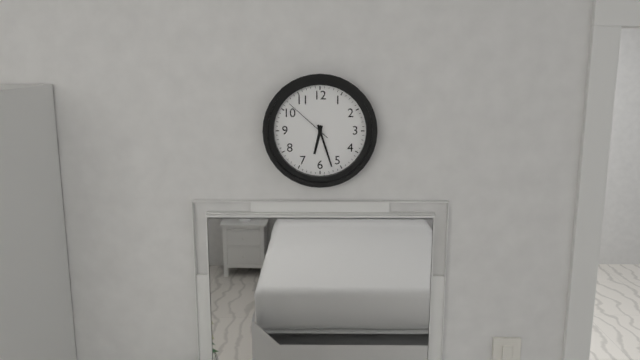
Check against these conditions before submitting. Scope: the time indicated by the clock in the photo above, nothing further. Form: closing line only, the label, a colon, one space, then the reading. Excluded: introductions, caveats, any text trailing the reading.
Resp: 6:27:52
